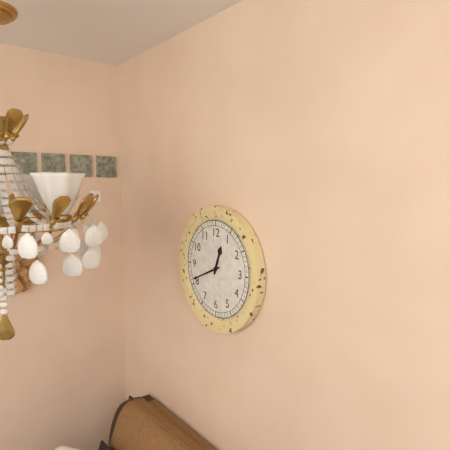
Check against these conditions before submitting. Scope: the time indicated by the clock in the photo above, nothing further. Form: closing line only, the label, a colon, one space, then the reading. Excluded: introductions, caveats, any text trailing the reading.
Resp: 12:41
